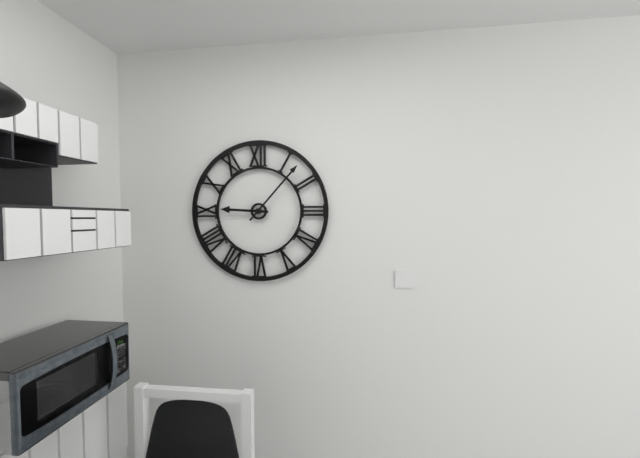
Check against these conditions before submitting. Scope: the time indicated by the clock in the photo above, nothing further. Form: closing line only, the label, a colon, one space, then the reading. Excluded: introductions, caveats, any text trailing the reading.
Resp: 9:07
